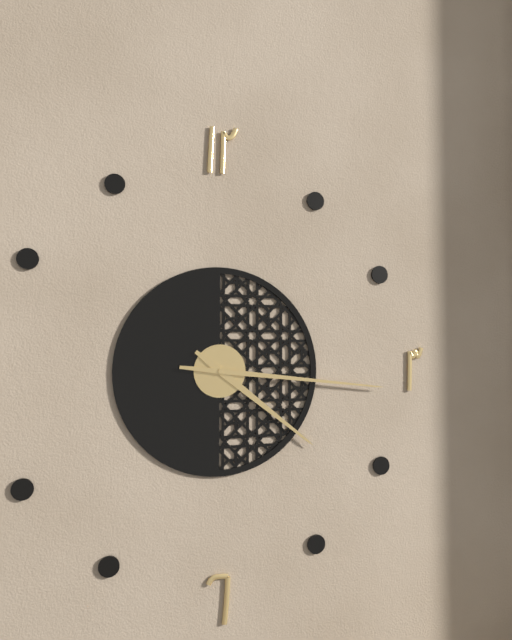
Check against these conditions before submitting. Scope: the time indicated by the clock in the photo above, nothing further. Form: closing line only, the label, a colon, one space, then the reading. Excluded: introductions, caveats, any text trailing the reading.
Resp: 4:16
